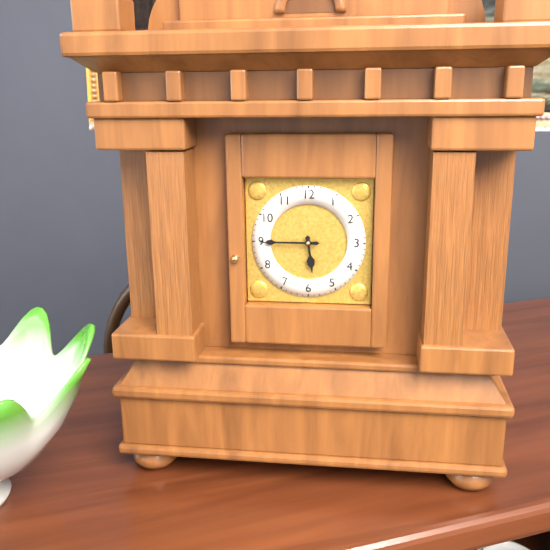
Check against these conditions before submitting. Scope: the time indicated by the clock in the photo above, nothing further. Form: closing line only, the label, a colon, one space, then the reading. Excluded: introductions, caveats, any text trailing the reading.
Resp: 5:45
